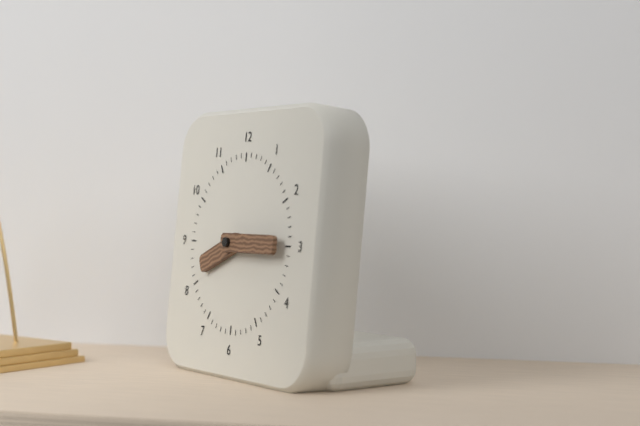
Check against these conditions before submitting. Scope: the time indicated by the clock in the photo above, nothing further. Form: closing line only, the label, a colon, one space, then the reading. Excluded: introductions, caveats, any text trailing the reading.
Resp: 8:15
